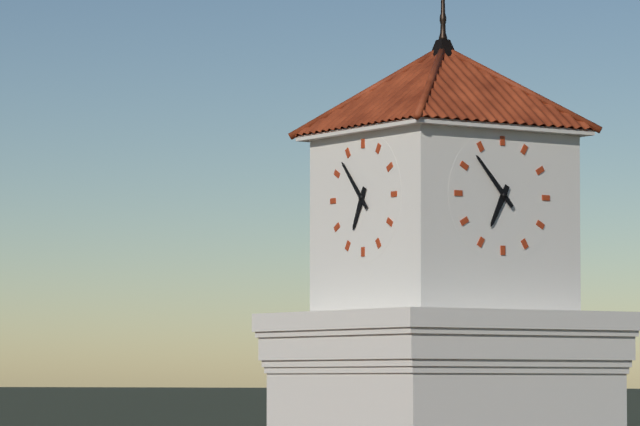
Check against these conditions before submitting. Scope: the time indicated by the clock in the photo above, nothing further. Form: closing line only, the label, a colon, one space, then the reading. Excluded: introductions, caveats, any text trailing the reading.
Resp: 6:53
